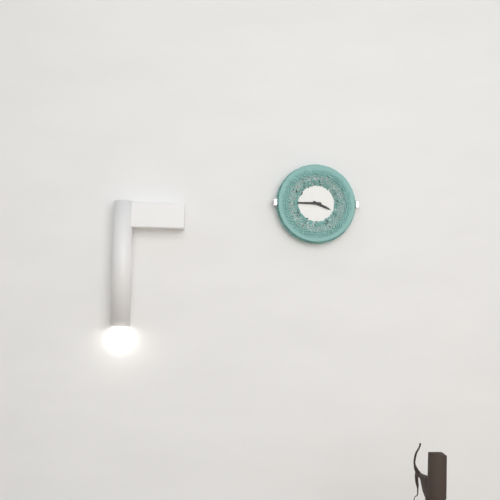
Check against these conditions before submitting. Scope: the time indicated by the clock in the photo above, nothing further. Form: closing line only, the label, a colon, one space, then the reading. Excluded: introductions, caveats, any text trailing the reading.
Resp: 3:45
